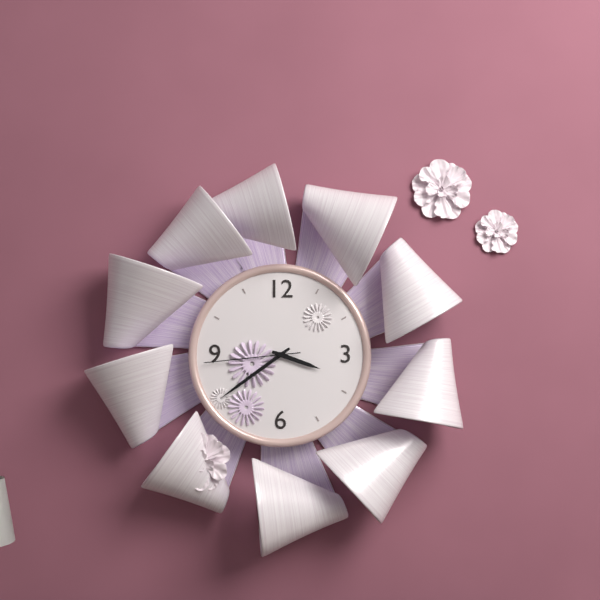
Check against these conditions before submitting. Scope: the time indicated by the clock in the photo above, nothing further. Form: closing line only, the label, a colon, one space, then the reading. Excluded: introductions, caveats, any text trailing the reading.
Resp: 3:39:44
